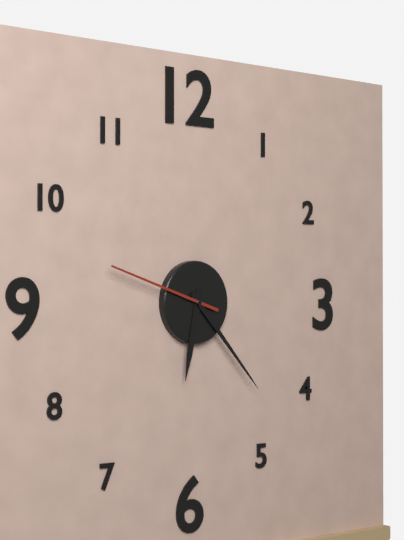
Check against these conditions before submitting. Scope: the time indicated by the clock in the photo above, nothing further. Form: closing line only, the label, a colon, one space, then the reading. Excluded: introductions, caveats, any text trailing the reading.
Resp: 6:23:48
